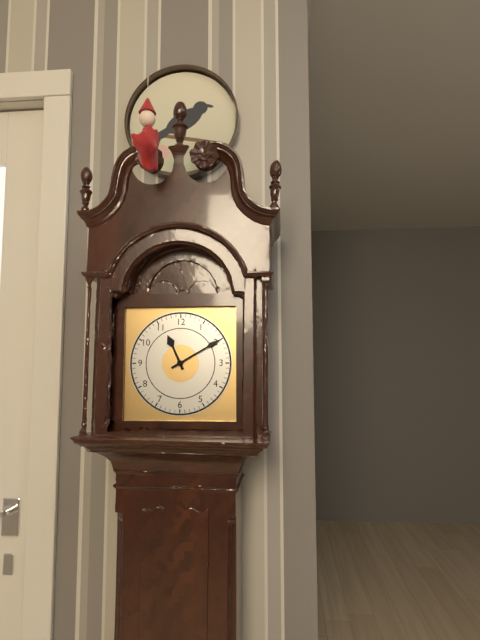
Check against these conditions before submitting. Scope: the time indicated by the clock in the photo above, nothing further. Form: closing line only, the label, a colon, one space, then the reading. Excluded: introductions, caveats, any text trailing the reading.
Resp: 11:10
